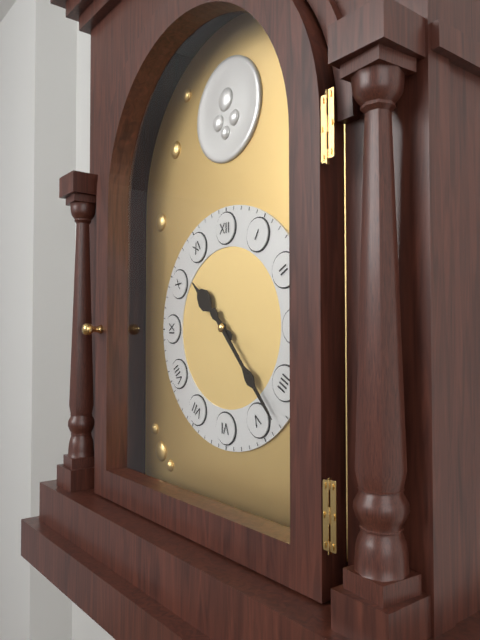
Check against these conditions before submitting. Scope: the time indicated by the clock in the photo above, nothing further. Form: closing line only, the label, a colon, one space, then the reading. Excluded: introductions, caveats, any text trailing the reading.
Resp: 10:23
